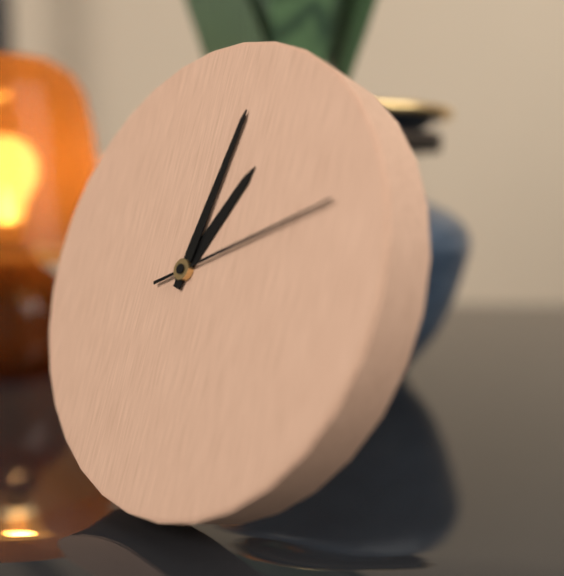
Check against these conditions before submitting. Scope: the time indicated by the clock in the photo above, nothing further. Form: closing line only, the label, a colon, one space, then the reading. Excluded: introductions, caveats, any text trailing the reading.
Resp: 1:02:11
